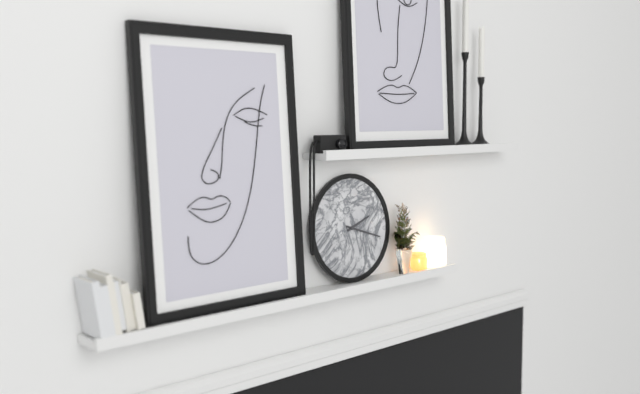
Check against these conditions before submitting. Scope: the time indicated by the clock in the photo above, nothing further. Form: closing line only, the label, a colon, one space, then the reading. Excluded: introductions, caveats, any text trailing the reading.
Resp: 2:18
